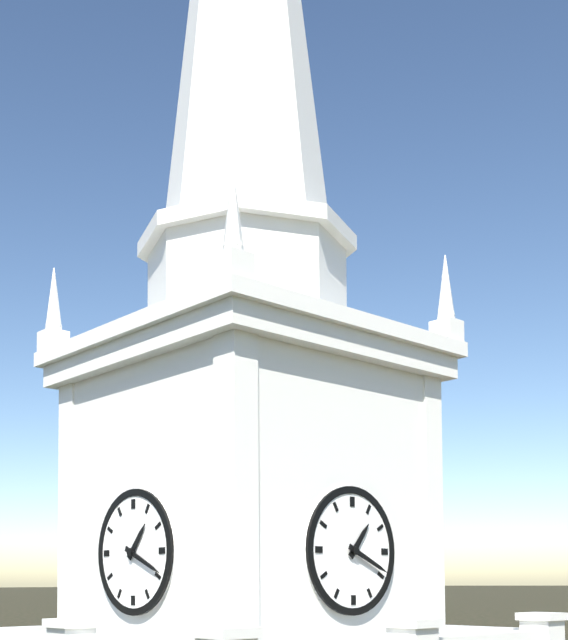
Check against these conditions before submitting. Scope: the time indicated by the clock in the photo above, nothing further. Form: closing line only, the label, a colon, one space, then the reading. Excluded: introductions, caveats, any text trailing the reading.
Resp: 1:19
